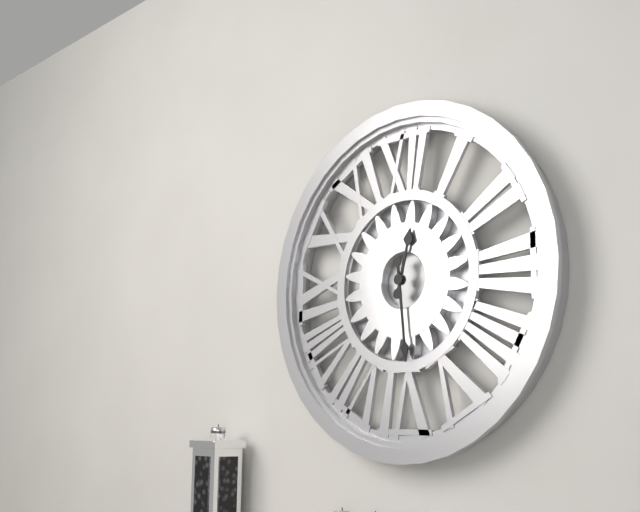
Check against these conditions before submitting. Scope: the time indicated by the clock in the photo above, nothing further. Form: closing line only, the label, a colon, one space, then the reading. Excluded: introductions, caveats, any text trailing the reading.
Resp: 12:29
